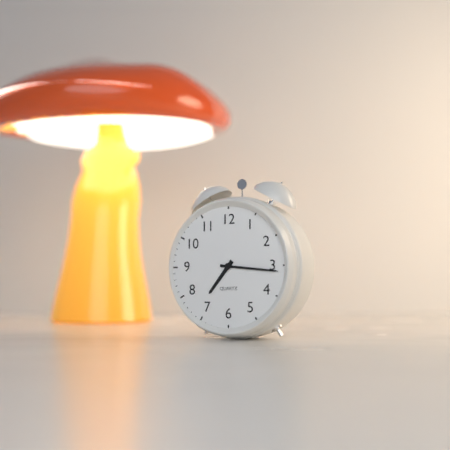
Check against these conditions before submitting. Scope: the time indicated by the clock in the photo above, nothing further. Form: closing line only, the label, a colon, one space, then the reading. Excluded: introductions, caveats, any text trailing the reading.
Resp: 7:16
